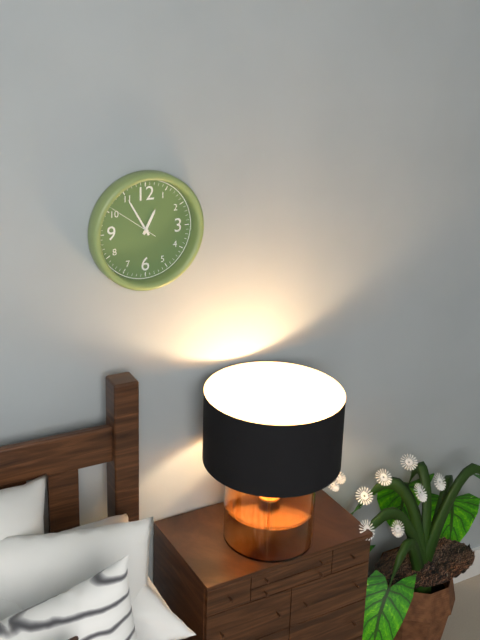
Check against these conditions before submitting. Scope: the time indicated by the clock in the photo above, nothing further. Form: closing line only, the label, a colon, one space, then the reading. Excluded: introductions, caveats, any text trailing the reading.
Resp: 12:55:51
